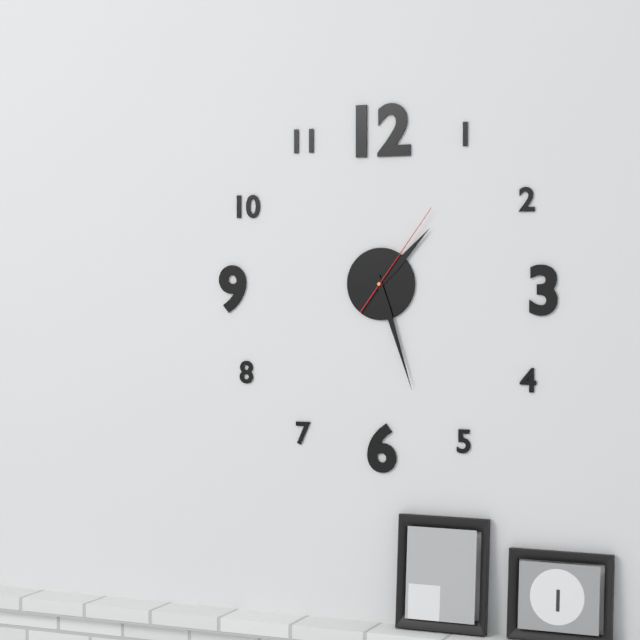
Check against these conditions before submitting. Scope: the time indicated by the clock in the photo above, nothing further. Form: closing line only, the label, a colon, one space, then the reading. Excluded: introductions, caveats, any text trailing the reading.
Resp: 1:27:06
